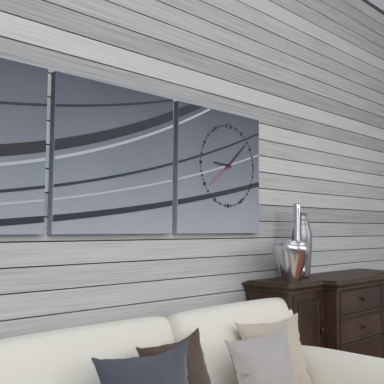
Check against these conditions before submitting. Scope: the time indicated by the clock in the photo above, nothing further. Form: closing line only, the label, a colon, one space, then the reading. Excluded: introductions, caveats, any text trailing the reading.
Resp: 9:08
